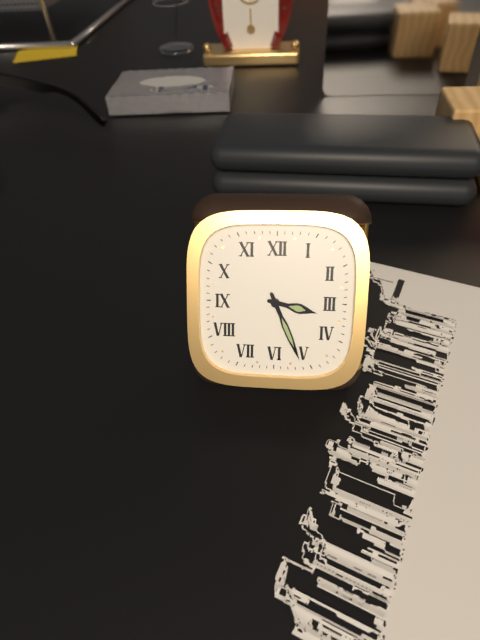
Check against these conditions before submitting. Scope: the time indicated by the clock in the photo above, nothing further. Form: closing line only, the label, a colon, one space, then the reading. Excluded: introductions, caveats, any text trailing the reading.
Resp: 3:26
